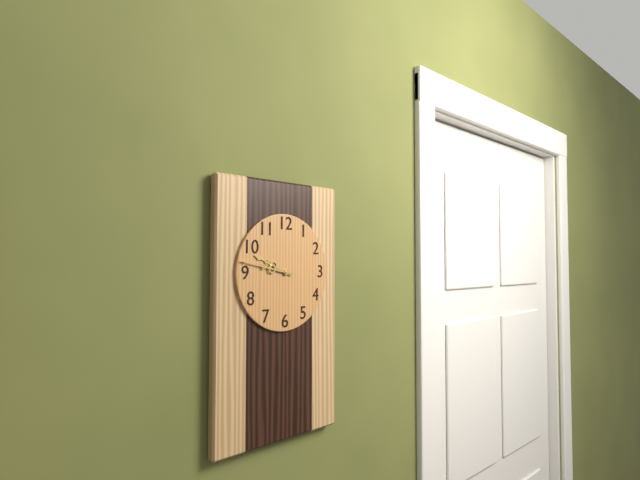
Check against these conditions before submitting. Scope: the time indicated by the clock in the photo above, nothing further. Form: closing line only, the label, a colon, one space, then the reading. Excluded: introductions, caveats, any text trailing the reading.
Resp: 9:47
